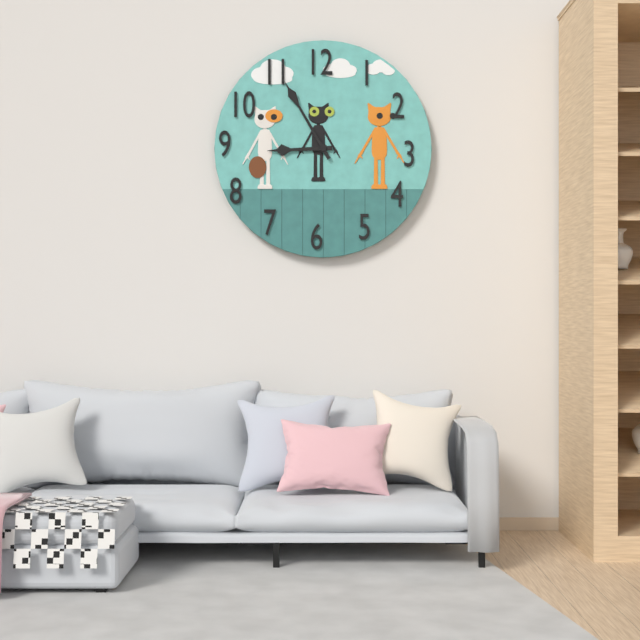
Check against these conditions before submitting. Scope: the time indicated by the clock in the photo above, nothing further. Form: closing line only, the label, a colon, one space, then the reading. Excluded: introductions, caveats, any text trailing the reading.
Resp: 8:55
